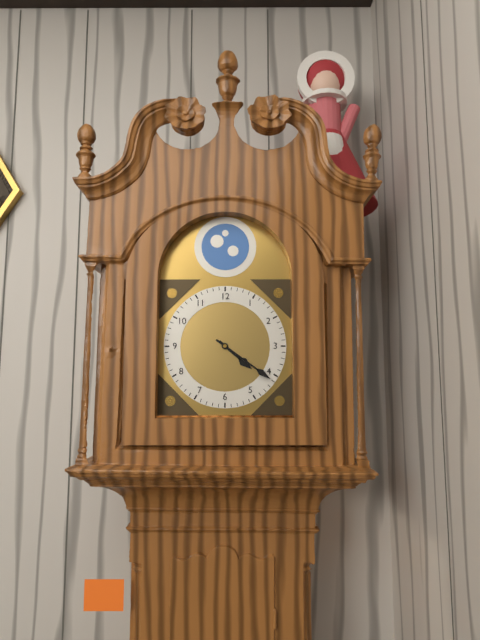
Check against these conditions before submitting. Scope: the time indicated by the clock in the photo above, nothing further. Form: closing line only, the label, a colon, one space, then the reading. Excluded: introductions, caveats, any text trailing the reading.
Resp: 4:21
